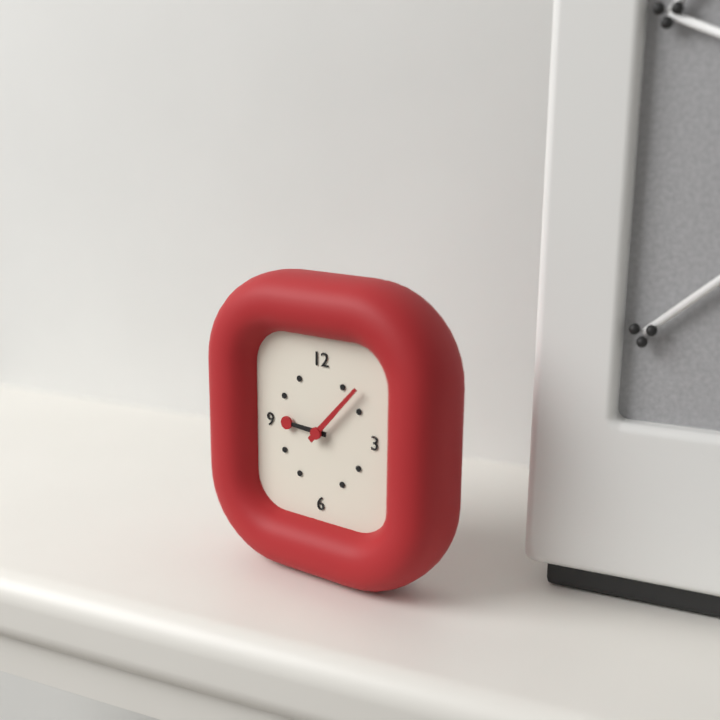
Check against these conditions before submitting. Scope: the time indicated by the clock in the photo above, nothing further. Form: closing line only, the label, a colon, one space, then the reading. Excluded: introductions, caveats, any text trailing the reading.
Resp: 9:07
